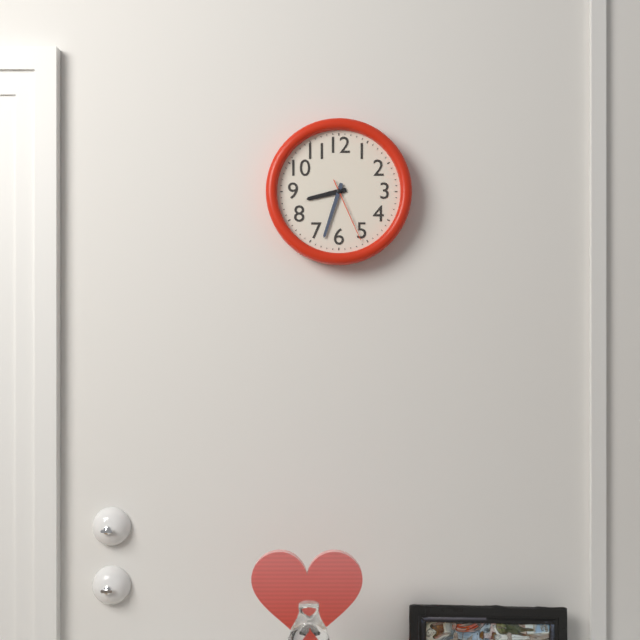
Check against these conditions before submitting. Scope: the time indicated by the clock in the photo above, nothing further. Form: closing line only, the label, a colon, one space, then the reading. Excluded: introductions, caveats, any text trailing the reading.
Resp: 8:33:26
